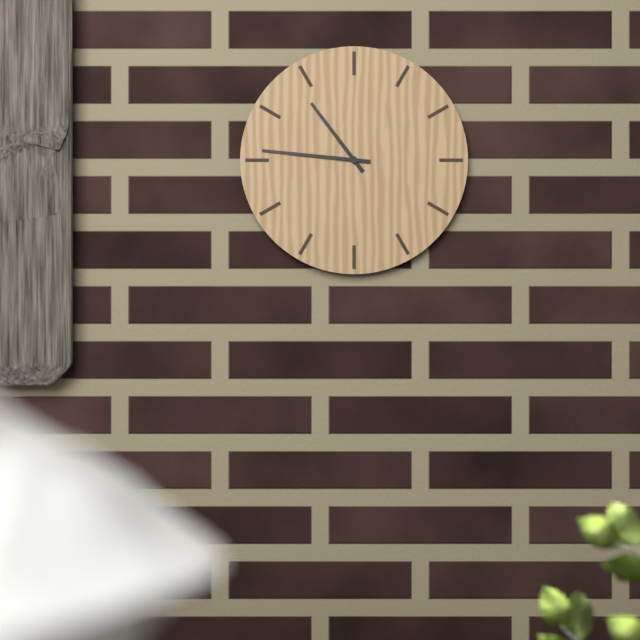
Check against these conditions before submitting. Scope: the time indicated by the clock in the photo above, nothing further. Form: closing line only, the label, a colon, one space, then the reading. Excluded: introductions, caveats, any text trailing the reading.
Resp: 10:46
